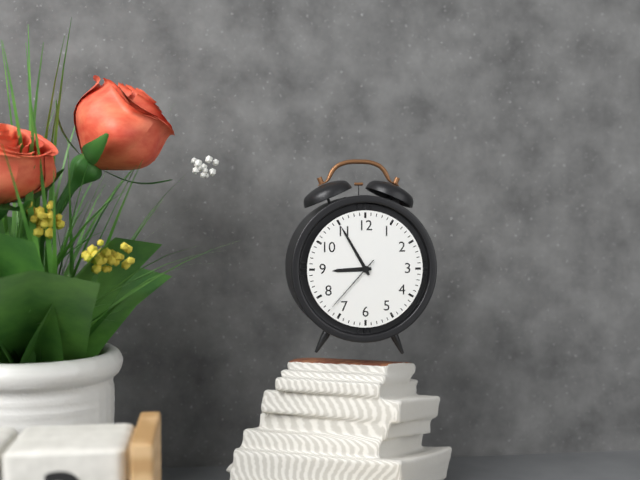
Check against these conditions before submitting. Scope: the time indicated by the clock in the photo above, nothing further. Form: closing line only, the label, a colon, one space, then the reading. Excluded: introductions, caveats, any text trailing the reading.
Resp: 8:55:37
